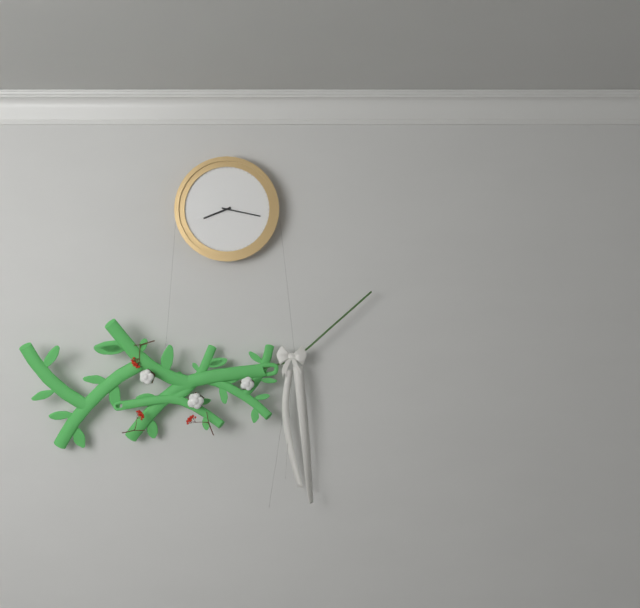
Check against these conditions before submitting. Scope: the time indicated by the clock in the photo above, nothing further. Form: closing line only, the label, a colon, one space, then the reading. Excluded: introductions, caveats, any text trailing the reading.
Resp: 8:17
